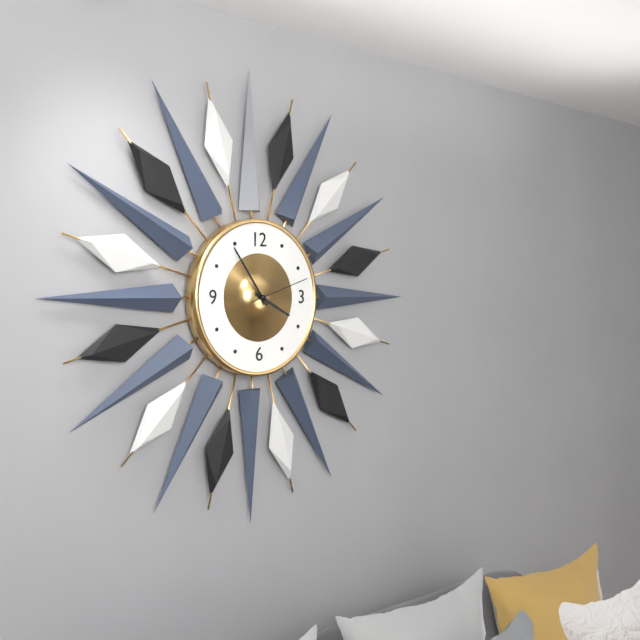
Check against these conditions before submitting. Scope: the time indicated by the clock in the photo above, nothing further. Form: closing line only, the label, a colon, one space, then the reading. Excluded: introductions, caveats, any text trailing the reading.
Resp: 3:54:12
